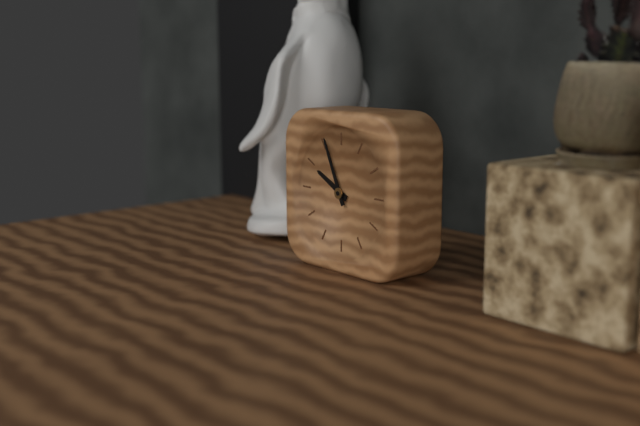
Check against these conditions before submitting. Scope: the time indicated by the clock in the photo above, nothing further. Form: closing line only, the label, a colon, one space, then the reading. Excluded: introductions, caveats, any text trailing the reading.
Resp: 9:56
